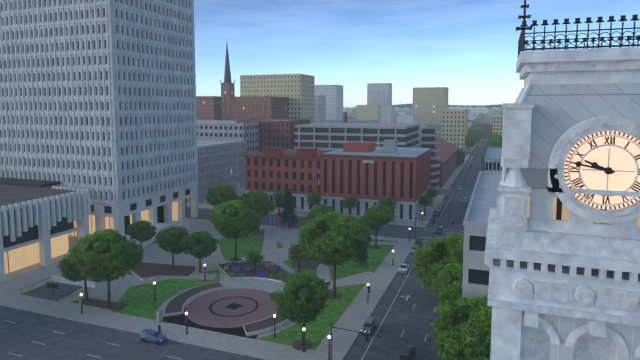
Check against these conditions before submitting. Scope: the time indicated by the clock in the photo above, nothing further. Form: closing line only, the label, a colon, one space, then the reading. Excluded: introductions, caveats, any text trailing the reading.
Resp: 9:47
